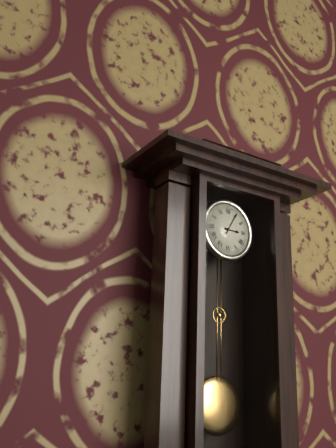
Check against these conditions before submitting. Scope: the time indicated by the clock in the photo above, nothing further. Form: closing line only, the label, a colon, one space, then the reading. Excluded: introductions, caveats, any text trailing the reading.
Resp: 3:05
